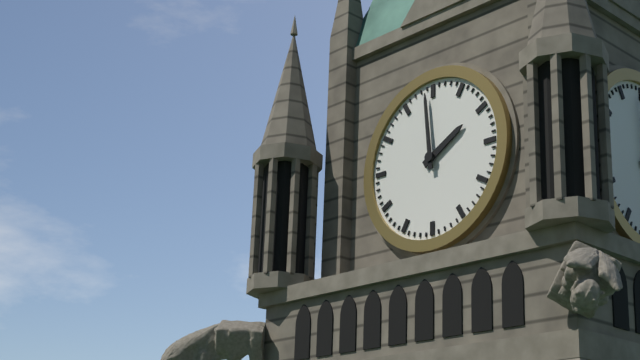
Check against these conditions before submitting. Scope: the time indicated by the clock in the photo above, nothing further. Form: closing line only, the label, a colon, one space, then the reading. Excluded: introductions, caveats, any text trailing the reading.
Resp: 1:59
